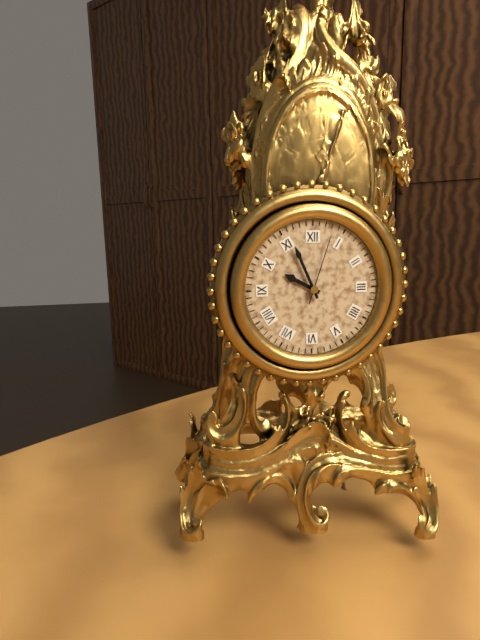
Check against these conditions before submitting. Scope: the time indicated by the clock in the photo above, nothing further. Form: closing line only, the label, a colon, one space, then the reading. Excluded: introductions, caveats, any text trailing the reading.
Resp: 9:56:03
